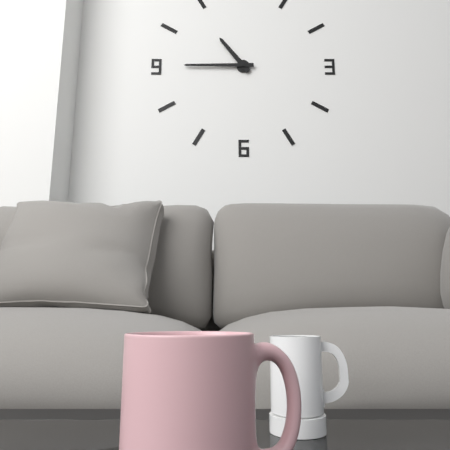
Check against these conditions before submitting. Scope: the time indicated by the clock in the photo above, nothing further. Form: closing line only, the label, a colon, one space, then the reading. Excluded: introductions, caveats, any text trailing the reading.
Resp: 10:45
